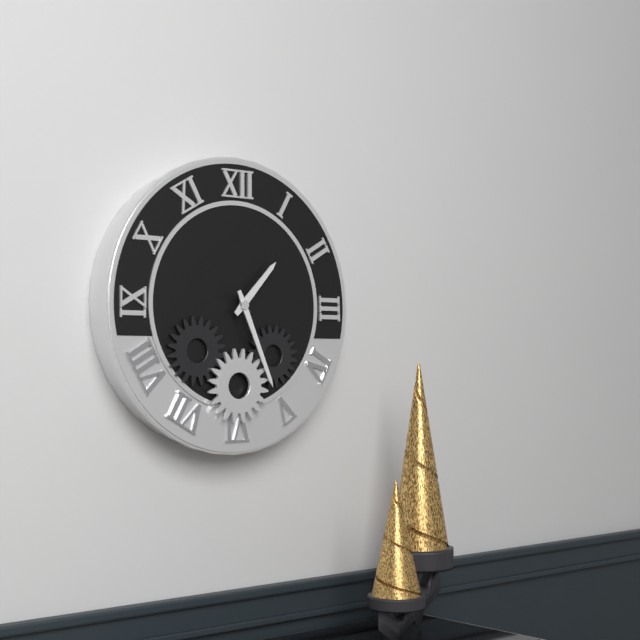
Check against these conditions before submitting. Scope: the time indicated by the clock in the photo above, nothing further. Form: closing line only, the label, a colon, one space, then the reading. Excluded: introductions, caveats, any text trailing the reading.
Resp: 1:26
